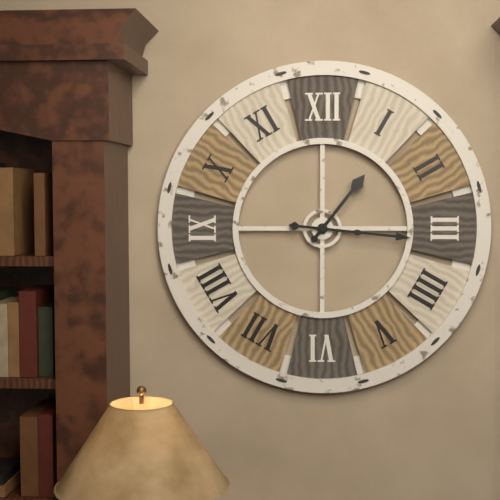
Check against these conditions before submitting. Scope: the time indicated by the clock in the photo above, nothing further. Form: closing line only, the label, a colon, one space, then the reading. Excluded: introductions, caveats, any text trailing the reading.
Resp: 1:16
